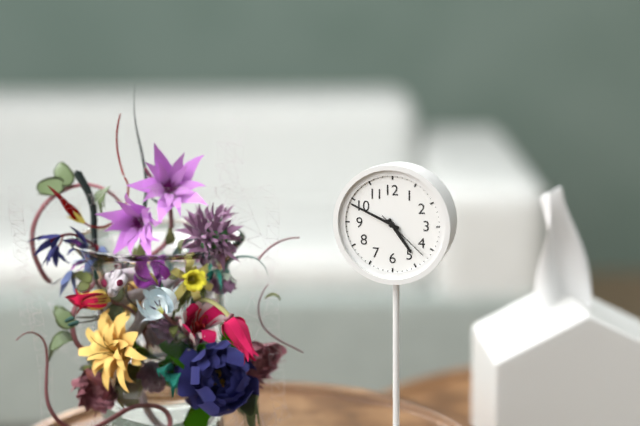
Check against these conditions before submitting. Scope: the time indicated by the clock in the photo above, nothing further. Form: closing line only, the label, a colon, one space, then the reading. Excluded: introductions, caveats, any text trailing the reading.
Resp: 4:49:22
